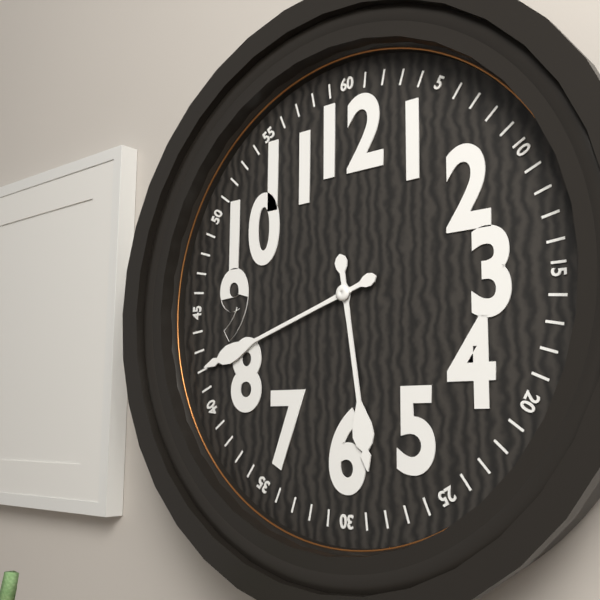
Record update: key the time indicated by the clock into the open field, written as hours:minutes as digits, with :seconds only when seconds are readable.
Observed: 5:42
